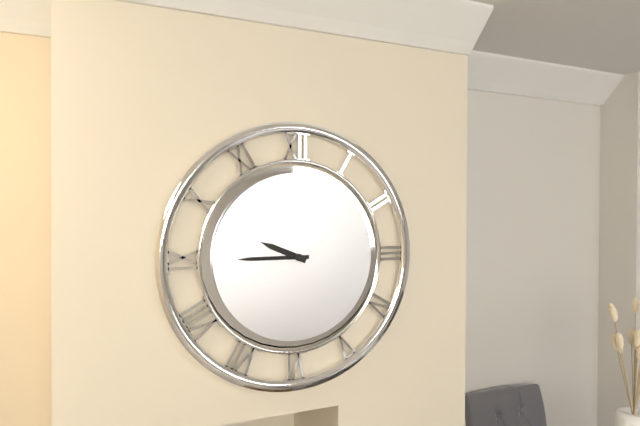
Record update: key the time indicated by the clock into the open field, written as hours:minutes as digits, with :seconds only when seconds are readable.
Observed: 9:45
